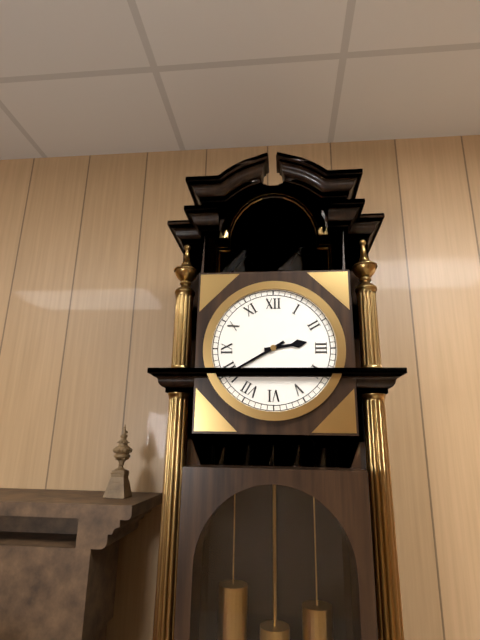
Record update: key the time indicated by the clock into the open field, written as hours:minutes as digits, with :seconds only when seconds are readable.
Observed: 2:40
